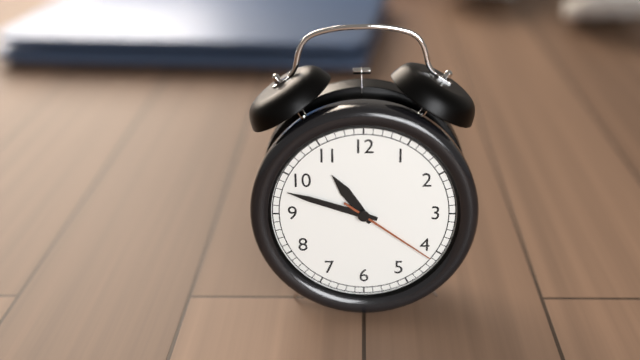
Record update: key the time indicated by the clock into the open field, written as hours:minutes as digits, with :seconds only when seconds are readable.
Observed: 10:48:21
